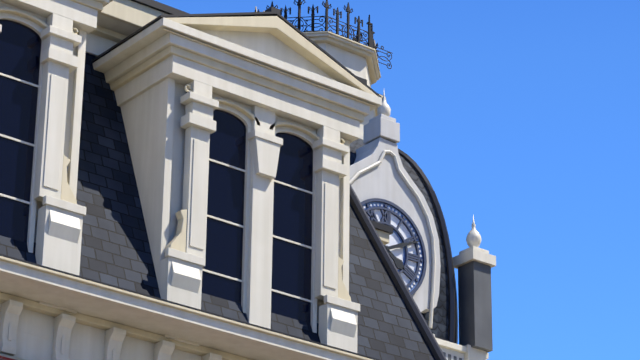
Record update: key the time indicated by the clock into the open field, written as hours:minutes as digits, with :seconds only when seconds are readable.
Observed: 4:11
